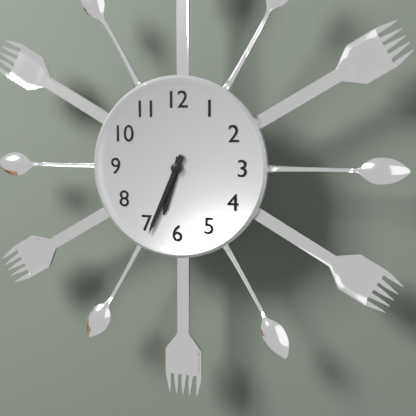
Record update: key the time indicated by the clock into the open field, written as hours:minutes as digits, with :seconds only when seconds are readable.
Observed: 6:34
